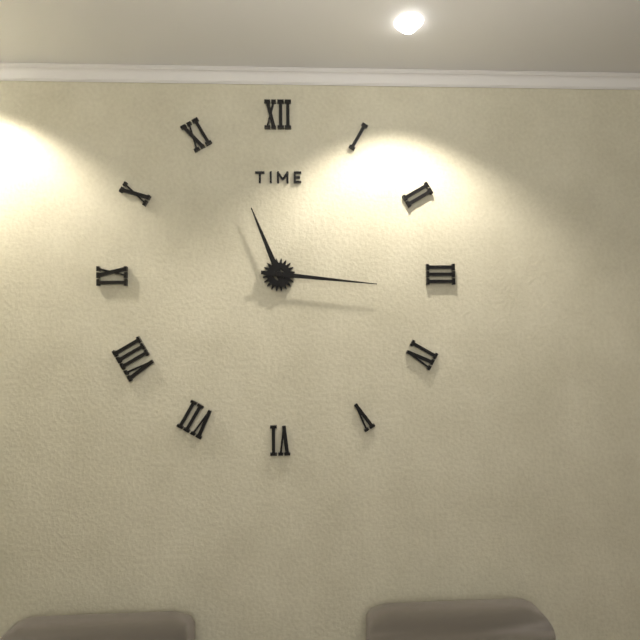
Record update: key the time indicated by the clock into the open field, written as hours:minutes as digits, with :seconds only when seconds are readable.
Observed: 11:16
